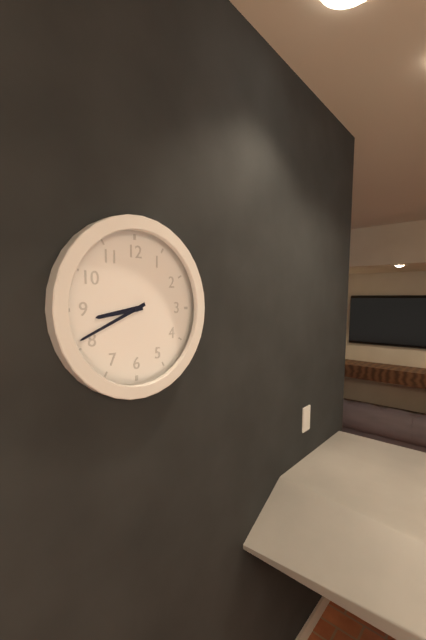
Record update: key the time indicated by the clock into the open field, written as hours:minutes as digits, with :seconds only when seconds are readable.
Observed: 8:41
